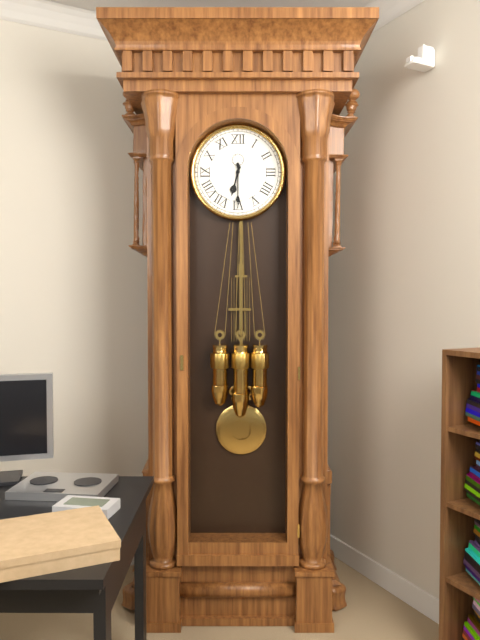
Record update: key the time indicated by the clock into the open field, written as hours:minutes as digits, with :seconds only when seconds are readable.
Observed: 6:30
